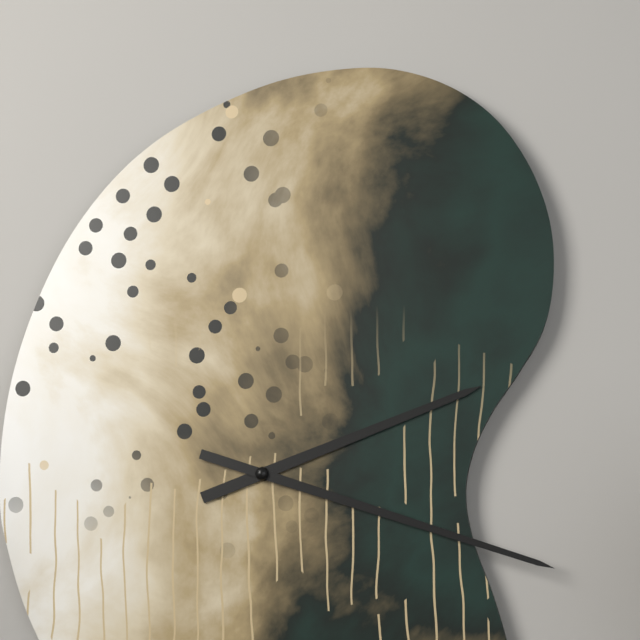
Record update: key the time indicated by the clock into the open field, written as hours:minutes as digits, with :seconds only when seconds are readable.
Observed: 2:18
